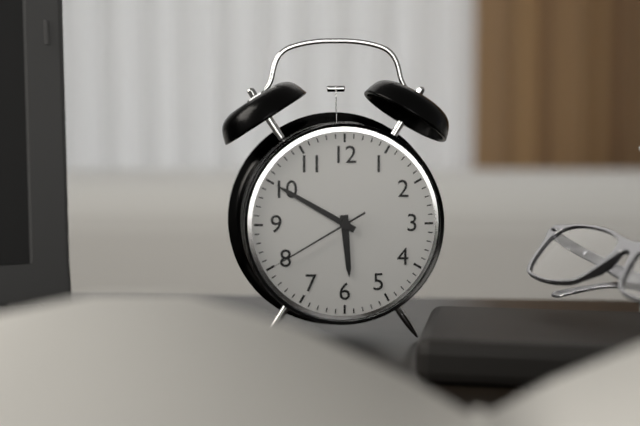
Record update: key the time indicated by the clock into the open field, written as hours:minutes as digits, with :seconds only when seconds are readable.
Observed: 5:50:40
